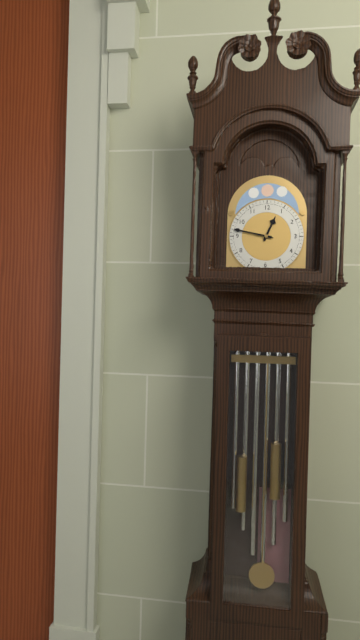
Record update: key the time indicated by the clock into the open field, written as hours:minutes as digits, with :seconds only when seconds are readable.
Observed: 12:47
